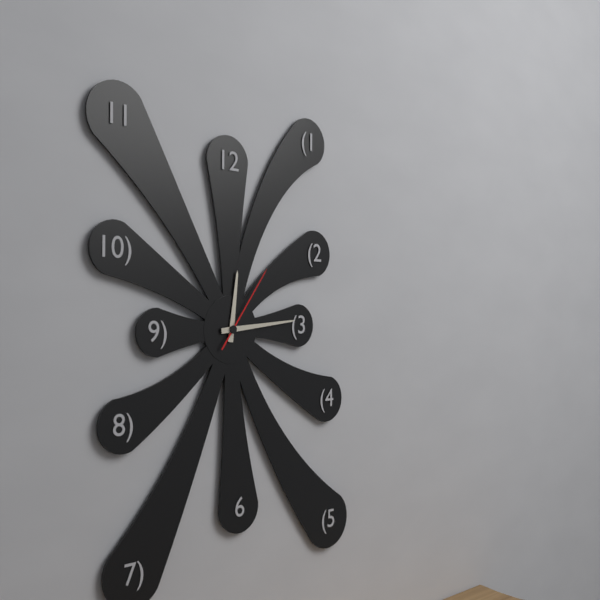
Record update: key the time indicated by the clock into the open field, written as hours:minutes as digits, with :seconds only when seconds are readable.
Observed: 12:14:06
